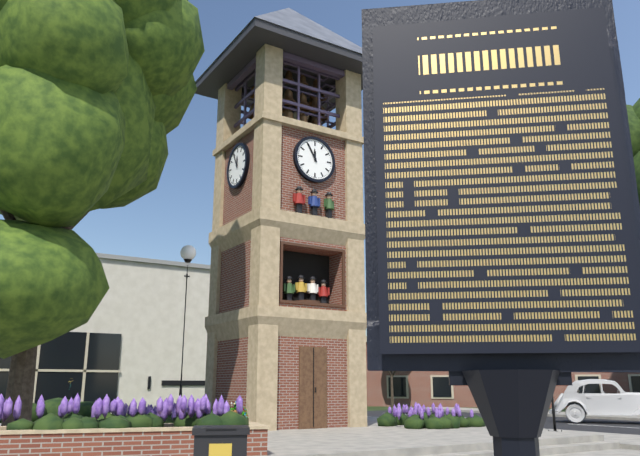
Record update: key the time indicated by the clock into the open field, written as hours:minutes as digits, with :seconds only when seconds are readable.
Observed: 11:55
